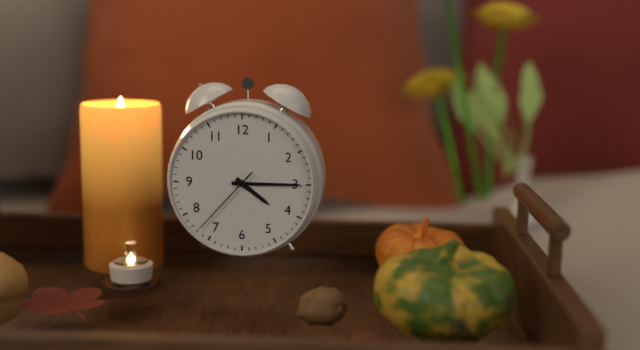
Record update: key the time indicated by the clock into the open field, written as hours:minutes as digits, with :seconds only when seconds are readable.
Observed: 4:15:37
